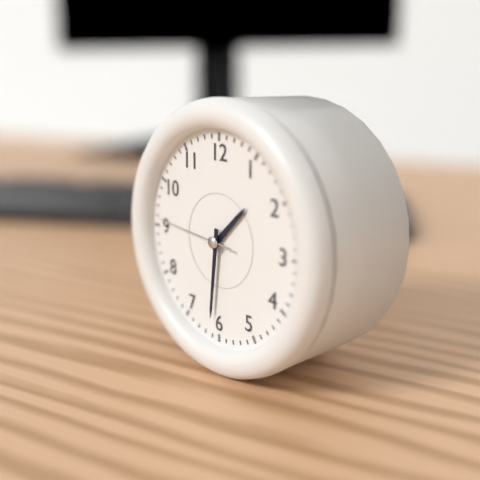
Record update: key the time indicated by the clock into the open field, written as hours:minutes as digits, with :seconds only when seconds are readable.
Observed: 1:31:46
